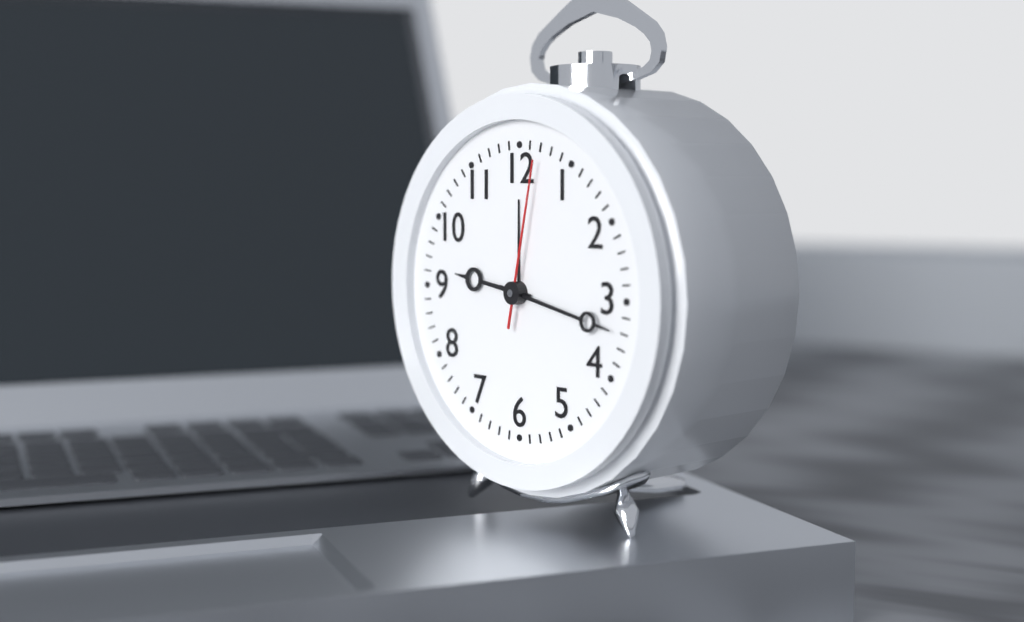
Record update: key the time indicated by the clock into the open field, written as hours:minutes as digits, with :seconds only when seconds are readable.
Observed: 9:17:02
